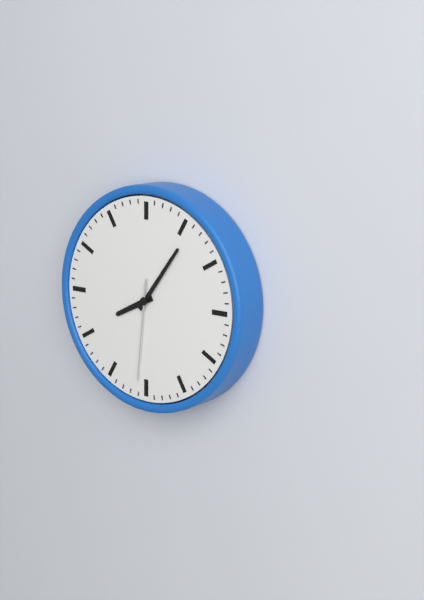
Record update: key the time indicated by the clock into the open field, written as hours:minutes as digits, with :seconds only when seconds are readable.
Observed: 8:06:31
